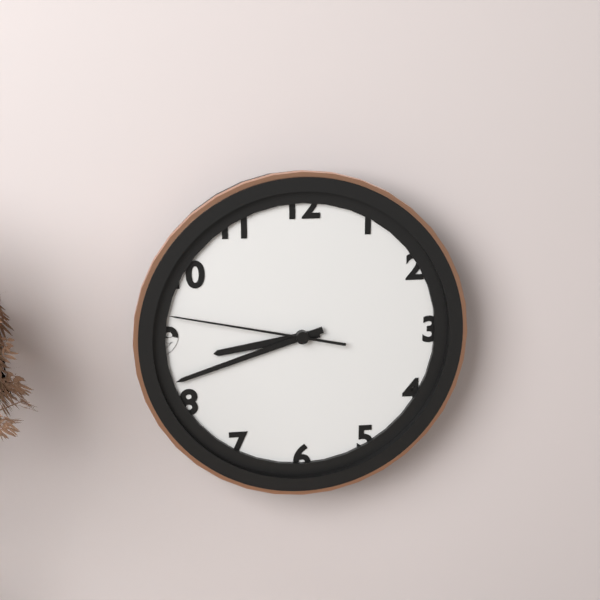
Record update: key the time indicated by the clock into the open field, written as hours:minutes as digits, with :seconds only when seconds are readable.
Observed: 8:42:47
